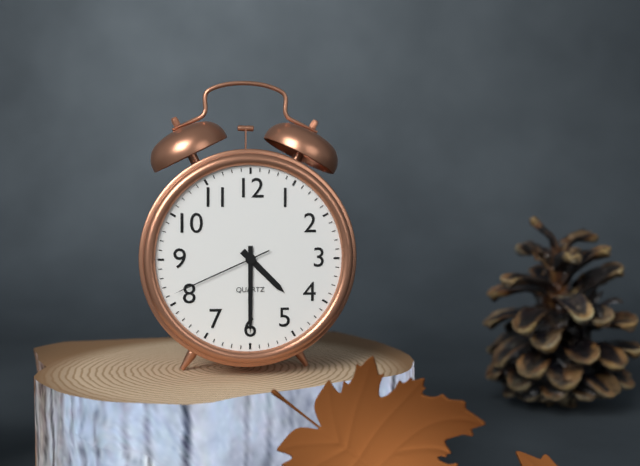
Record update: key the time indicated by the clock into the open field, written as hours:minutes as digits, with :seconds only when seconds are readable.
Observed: 4:30:41
